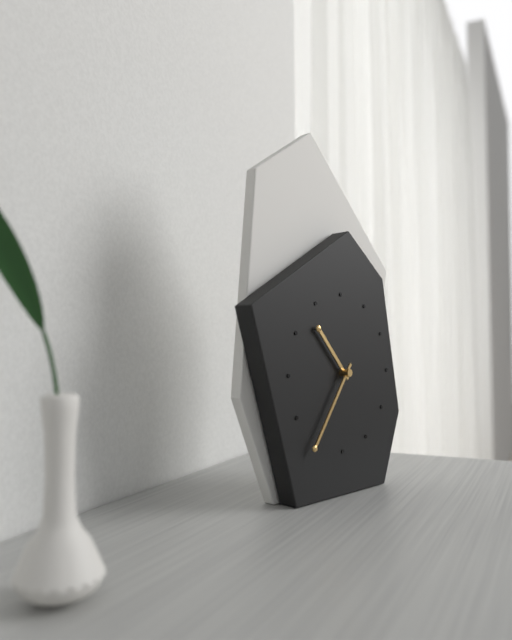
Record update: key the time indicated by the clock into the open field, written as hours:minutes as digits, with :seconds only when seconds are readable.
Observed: 10:36
